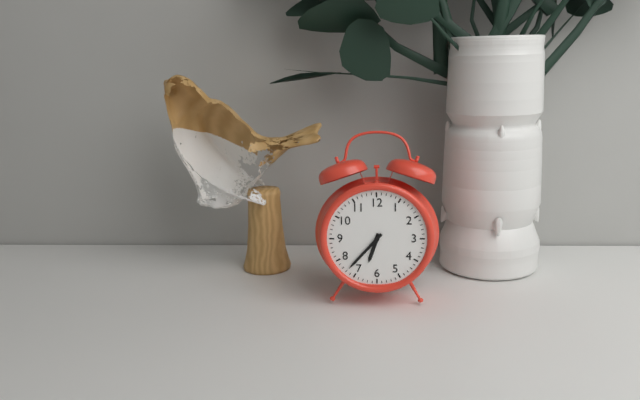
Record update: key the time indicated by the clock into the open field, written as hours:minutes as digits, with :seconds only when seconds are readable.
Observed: 6:37
